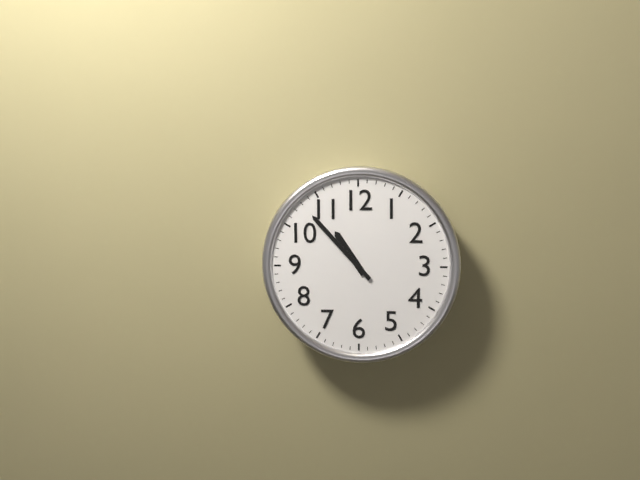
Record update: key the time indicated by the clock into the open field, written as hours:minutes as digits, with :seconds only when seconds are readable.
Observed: 10:53
